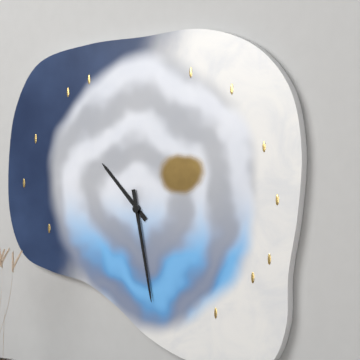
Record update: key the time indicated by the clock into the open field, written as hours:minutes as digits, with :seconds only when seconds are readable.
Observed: 10:28
